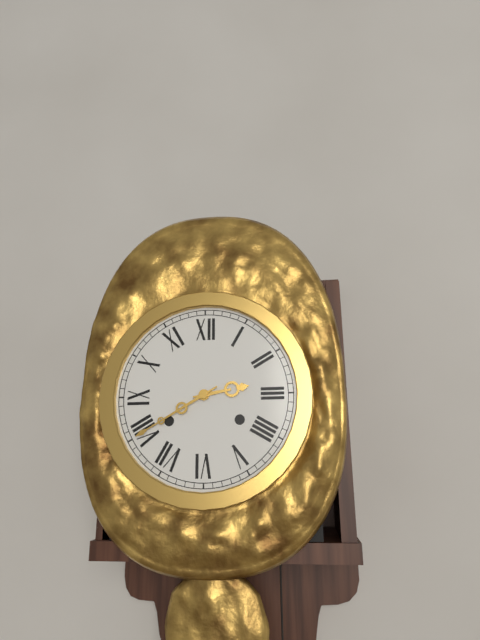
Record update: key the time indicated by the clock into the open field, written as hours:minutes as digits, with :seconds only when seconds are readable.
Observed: 2:40
